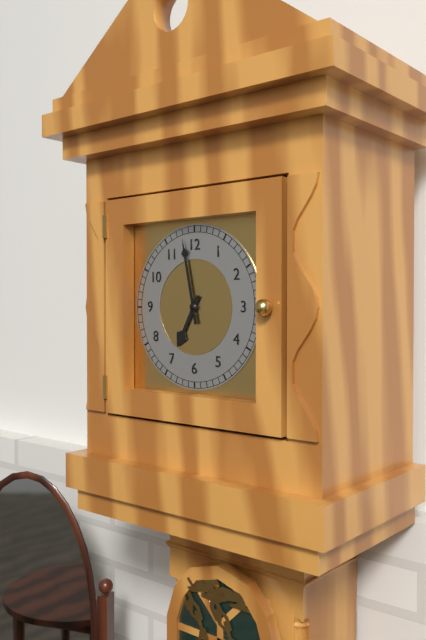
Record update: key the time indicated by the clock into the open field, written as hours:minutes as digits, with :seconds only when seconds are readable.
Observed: 6:58
